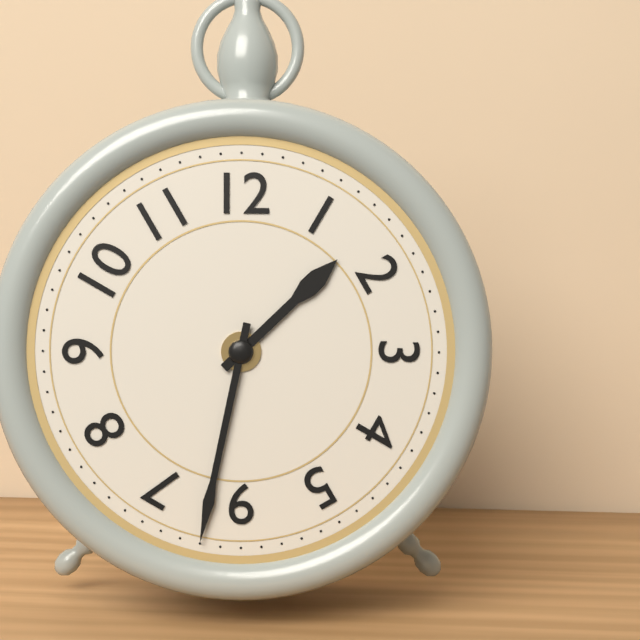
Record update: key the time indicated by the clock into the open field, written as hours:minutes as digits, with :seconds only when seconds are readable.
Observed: 1:32
